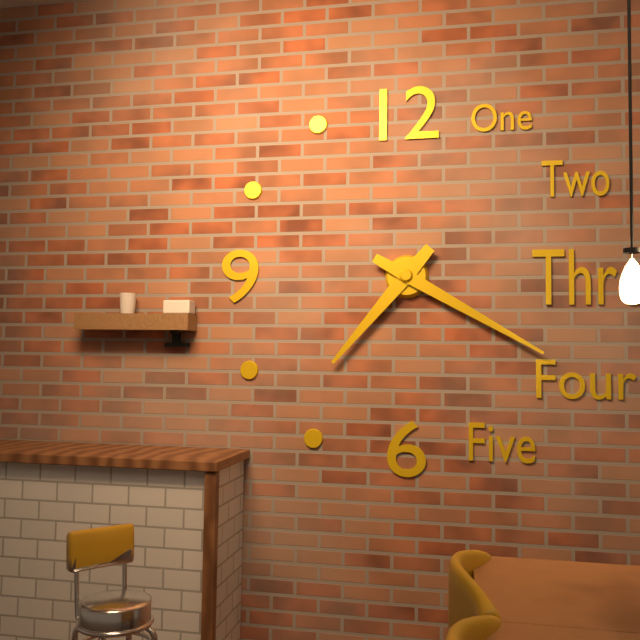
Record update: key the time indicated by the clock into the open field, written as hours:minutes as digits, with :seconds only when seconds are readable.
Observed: 7:20
